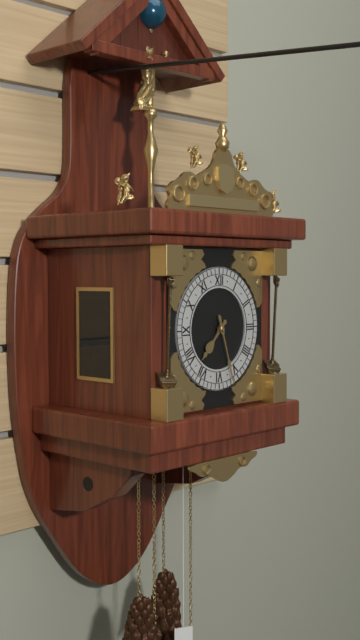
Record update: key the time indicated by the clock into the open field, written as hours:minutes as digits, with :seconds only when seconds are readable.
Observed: 7:27
